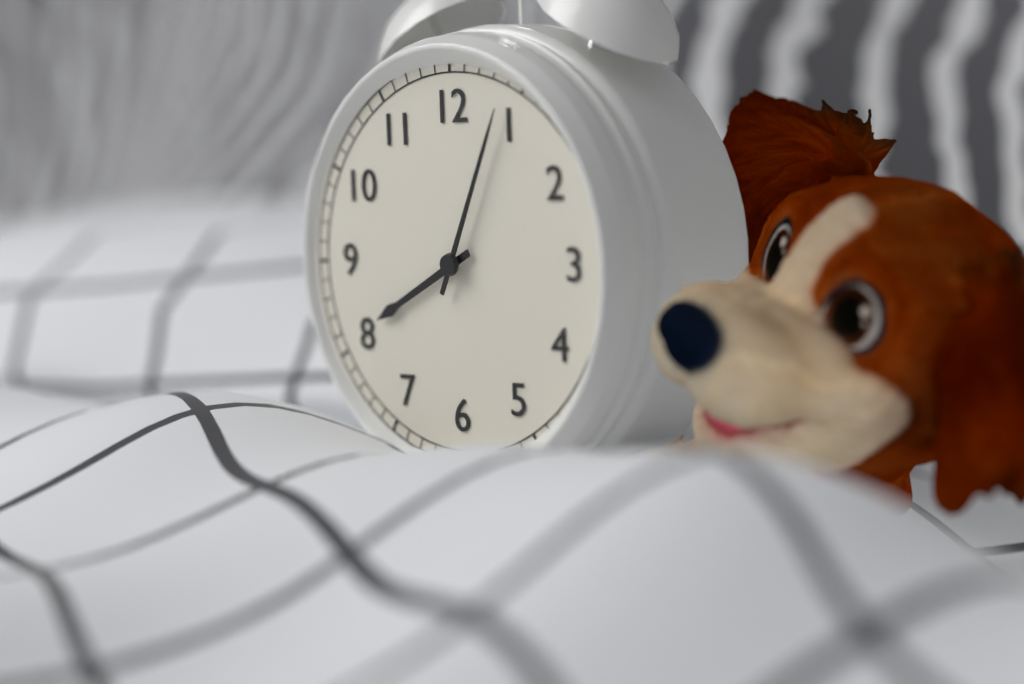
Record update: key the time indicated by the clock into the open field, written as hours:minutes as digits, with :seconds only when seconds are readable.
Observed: 8:04
